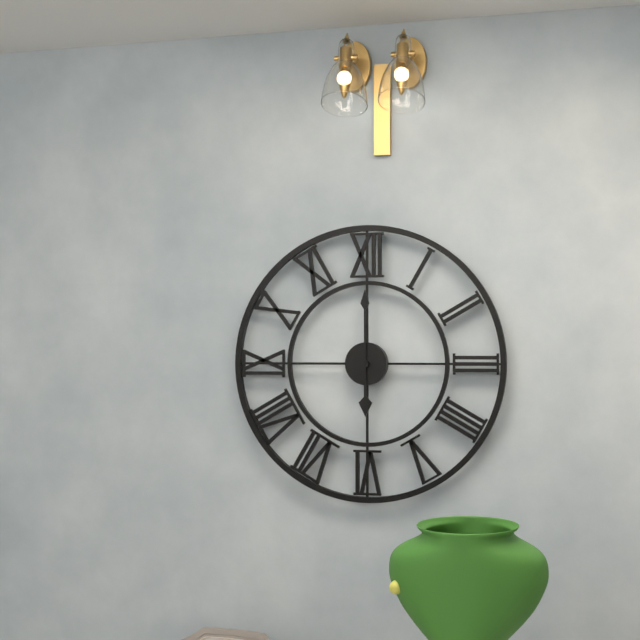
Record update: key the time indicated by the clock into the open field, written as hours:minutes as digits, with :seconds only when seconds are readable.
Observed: 6:00
